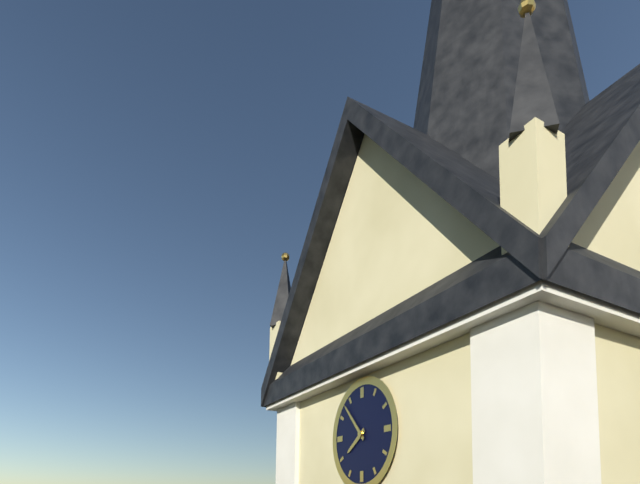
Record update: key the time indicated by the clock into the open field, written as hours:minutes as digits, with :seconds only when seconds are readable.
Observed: 7:53
